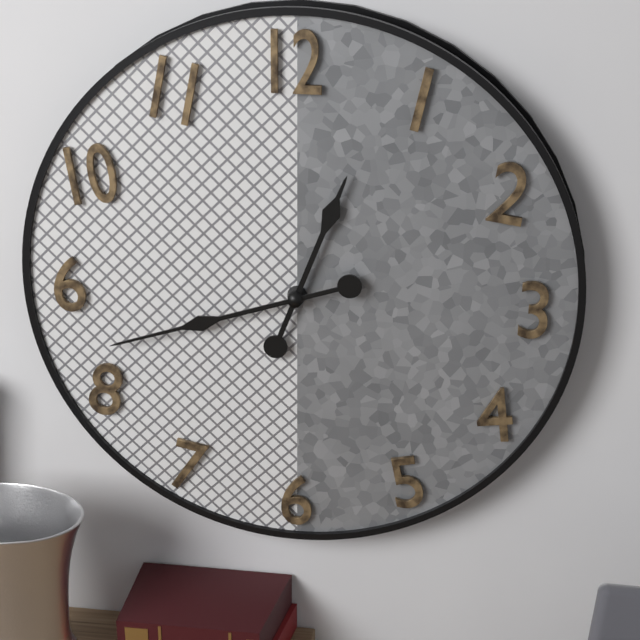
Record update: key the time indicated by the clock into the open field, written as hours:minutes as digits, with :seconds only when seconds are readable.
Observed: 12:42
